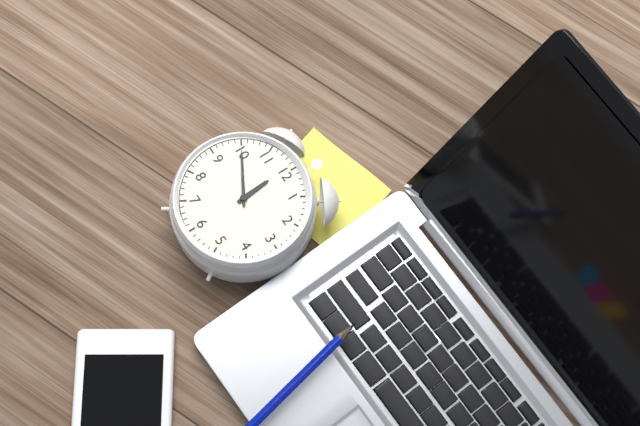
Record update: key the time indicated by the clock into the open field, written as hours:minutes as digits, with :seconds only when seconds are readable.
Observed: 11:50
